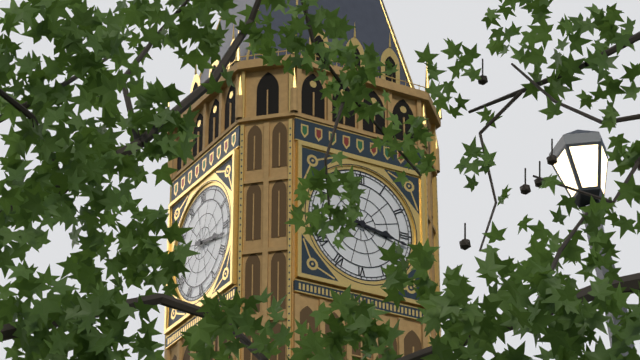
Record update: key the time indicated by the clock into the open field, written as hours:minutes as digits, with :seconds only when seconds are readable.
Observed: 3:17
